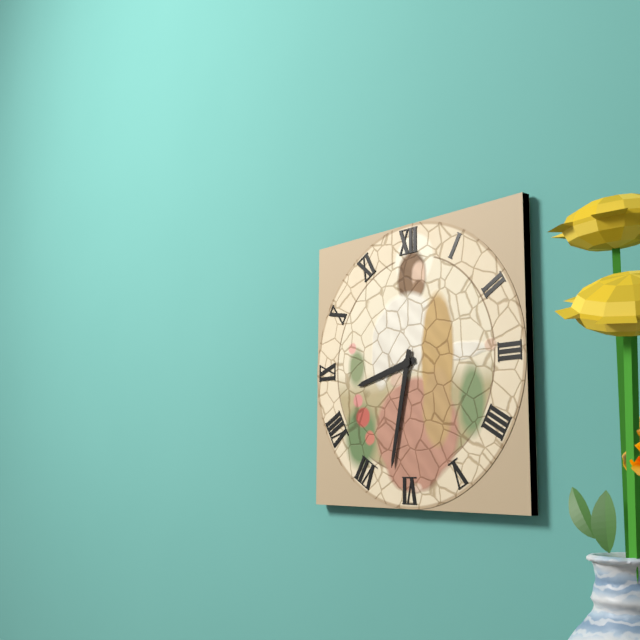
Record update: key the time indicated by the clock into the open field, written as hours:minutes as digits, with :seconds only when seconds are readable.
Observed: 8:32
